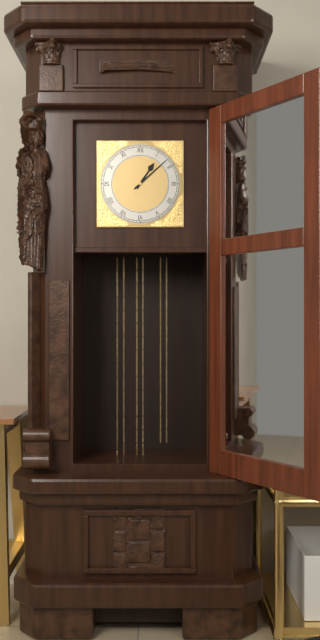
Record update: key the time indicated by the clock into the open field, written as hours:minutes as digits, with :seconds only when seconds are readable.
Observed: 1:08
